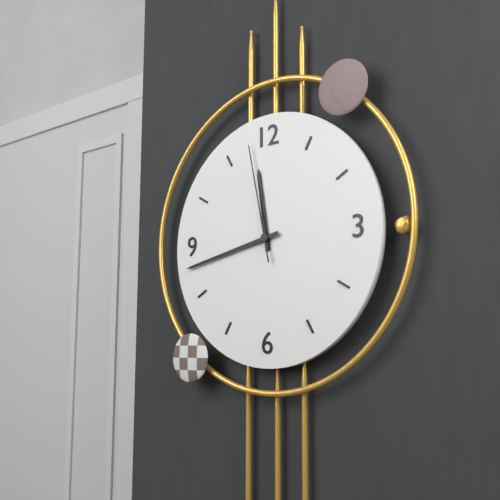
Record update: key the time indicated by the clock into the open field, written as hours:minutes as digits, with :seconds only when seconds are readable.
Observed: 11:43:58
